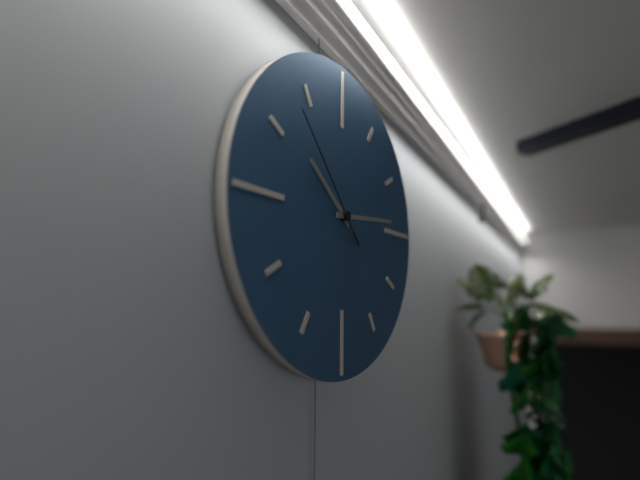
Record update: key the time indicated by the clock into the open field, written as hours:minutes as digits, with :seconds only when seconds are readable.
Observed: 10:14:53
